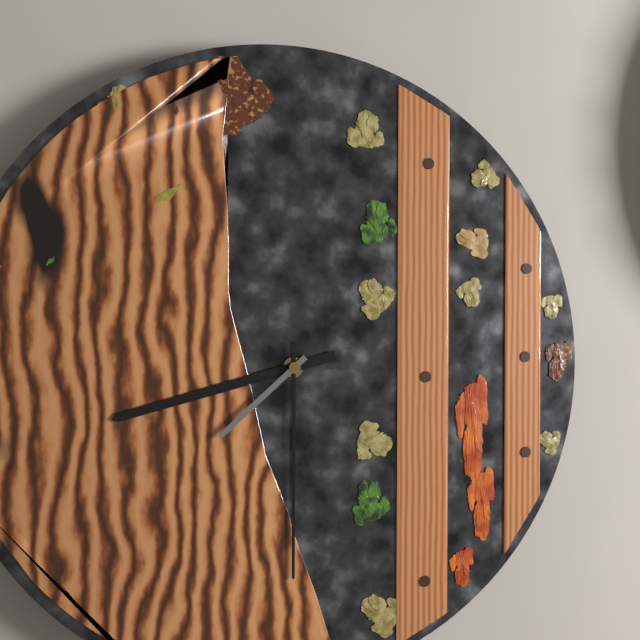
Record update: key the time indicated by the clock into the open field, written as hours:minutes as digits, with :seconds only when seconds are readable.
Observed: 8:30:38
